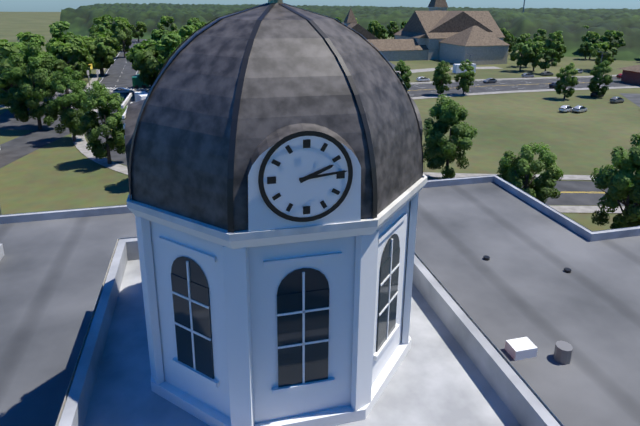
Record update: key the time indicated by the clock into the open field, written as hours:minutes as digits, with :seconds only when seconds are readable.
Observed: 2:14
